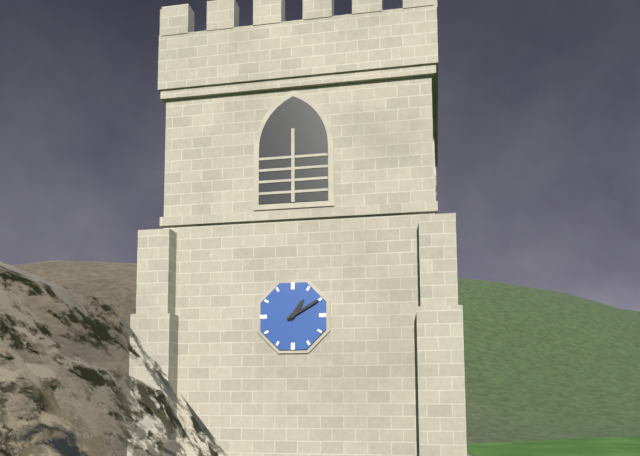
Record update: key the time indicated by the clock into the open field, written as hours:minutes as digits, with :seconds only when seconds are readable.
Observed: 1:10
